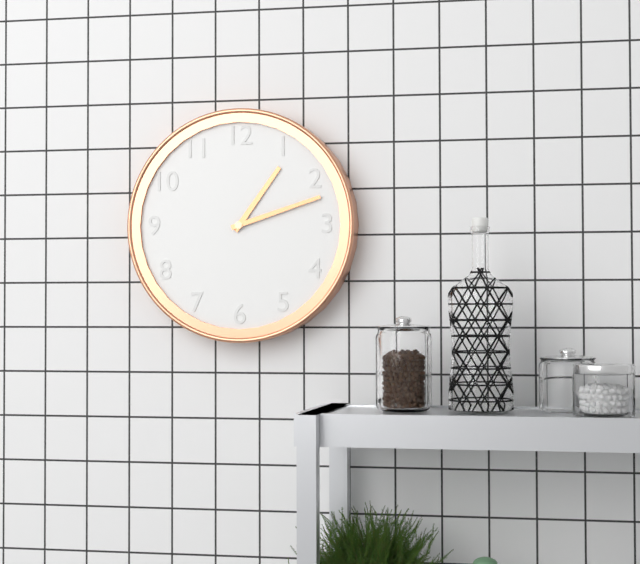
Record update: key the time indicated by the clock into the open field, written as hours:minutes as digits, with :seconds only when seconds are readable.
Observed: 1:12
